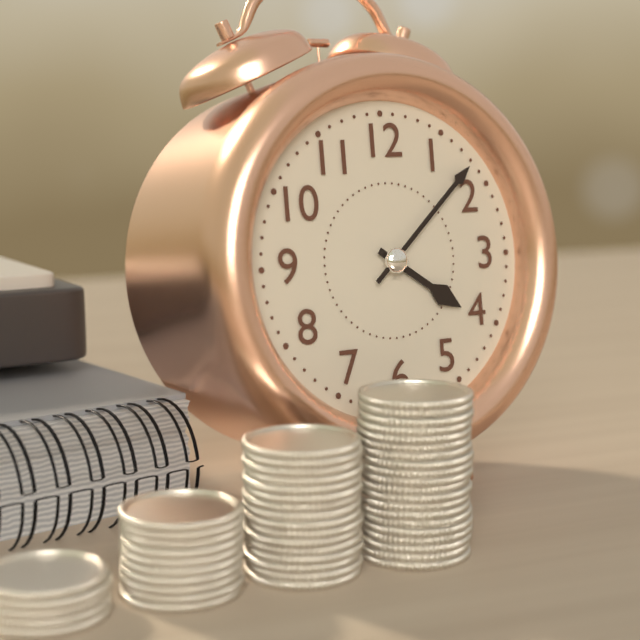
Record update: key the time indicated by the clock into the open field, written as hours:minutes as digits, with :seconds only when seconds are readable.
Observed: 4:08
